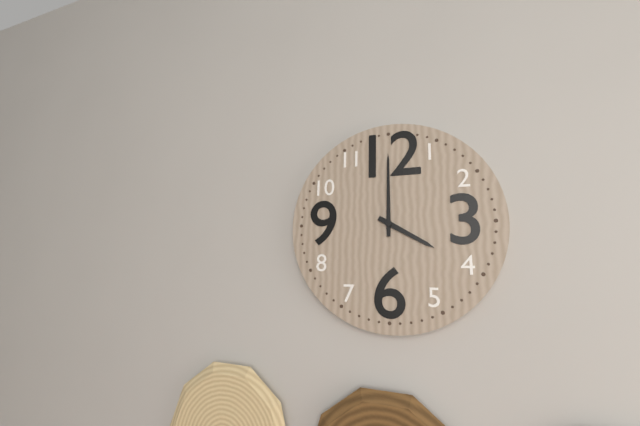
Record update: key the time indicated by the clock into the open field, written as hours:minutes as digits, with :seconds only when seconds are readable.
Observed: 4:00
